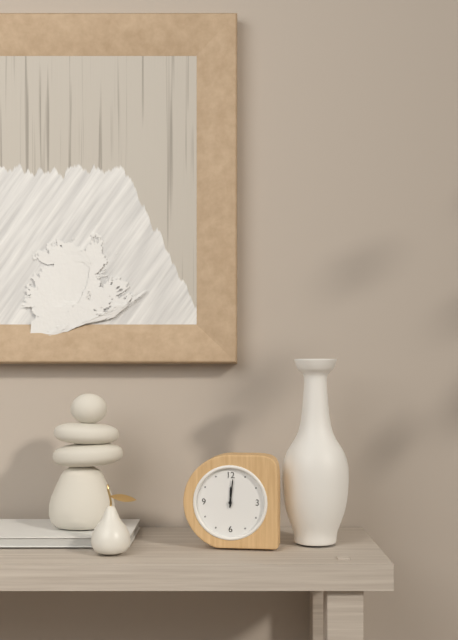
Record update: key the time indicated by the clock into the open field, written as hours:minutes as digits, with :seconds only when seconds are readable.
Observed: 12:01
